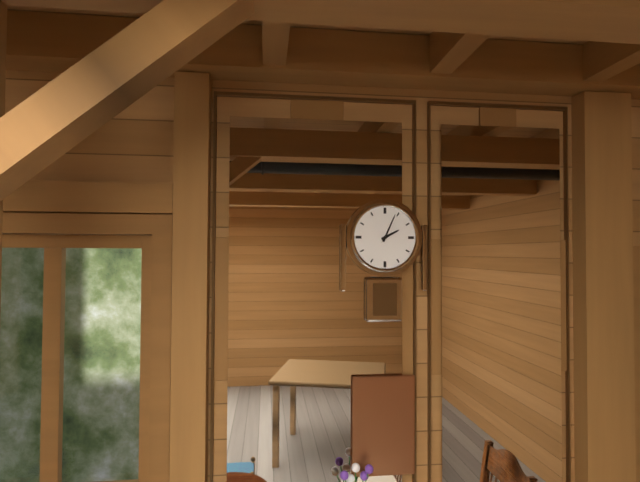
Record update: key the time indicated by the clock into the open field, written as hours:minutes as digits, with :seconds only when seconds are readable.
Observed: 2:04
